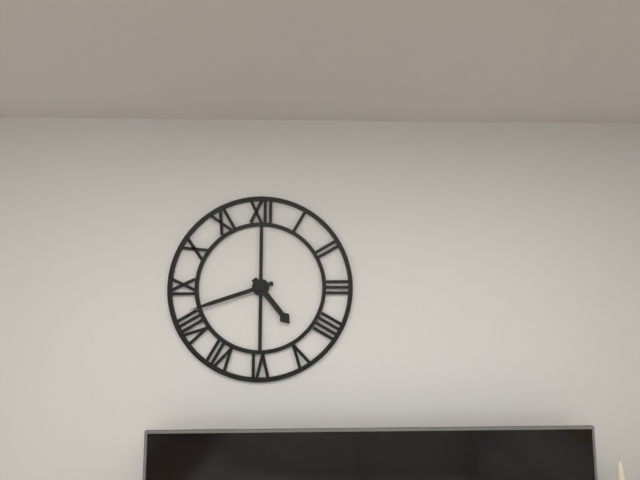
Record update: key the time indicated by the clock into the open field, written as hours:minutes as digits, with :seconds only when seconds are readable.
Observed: 4:42
